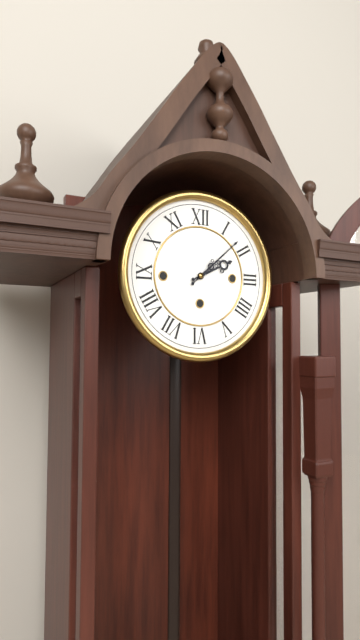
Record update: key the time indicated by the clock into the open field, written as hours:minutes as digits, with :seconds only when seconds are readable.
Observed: 2:08
